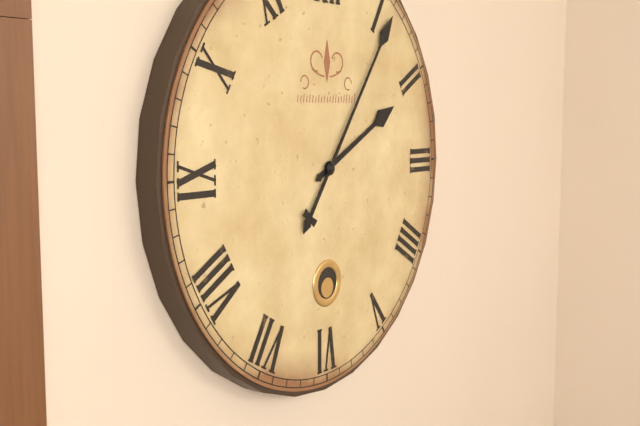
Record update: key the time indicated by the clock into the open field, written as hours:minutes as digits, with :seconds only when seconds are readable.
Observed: 2:06
